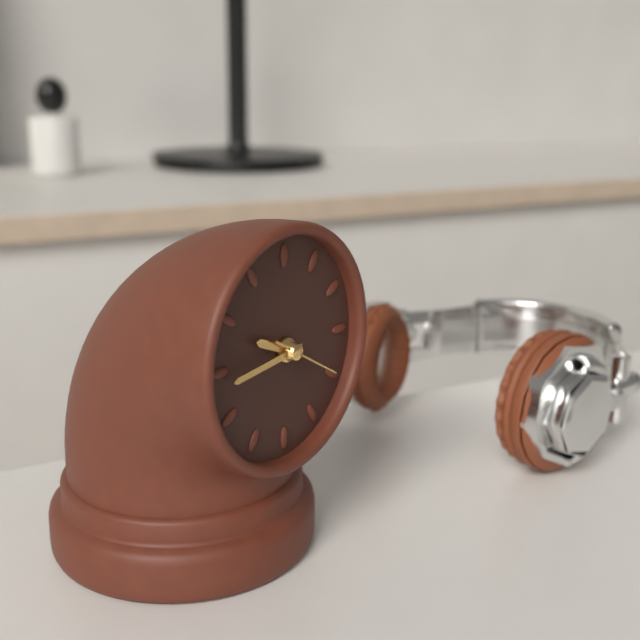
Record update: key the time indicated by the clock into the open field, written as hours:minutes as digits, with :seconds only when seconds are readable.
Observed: 9:44:20
